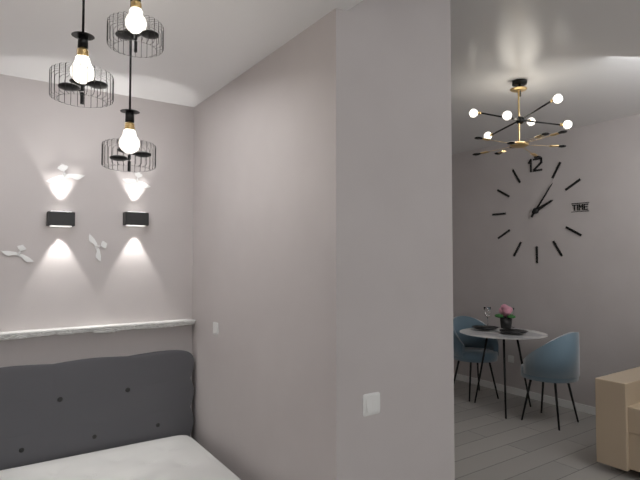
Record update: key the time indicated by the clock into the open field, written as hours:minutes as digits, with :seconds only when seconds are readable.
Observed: 2:06
